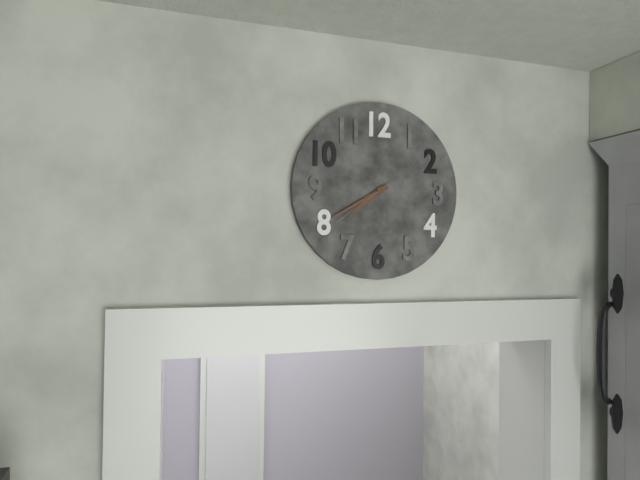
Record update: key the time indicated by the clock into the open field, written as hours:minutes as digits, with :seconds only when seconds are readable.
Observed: 7:40:39
